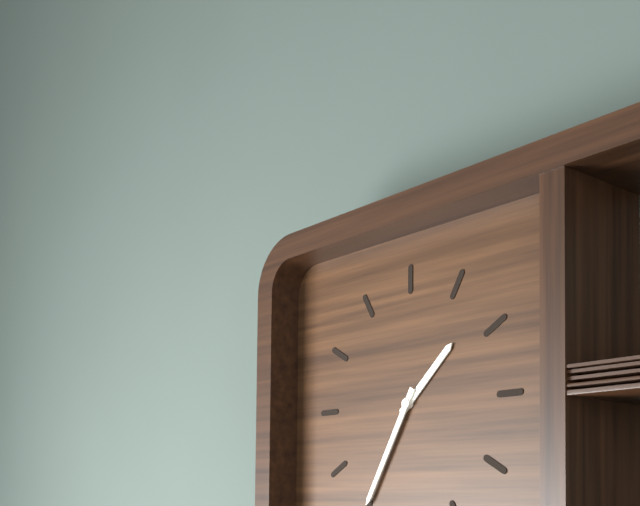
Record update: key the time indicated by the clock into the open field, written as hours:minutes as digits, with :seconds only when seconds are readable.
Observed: 1:35
